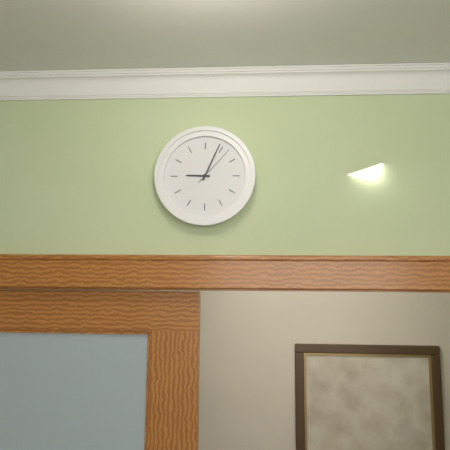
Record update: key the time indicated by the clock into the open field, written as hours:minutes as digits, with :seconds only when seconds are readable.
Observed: 9:04
